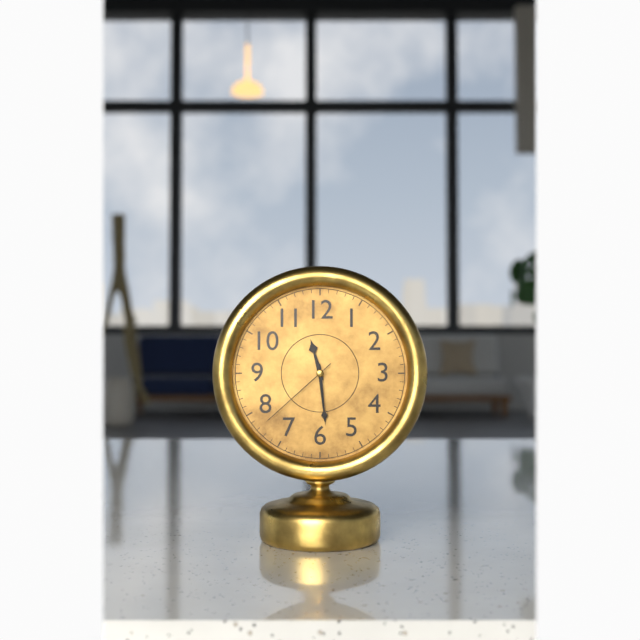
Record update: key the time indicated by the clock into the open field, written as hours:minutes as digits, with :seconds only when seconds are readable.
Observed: 11:29:38
